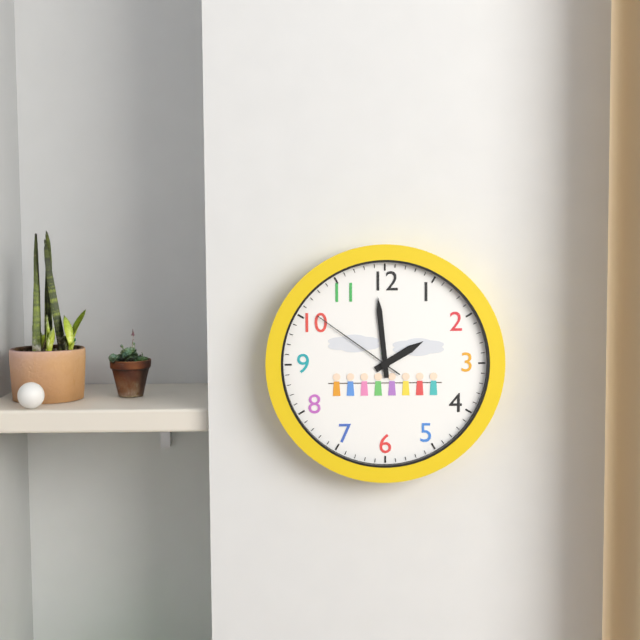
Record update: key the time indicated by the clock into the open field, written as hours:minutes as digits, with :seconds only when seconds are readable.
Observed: 1:59:51
